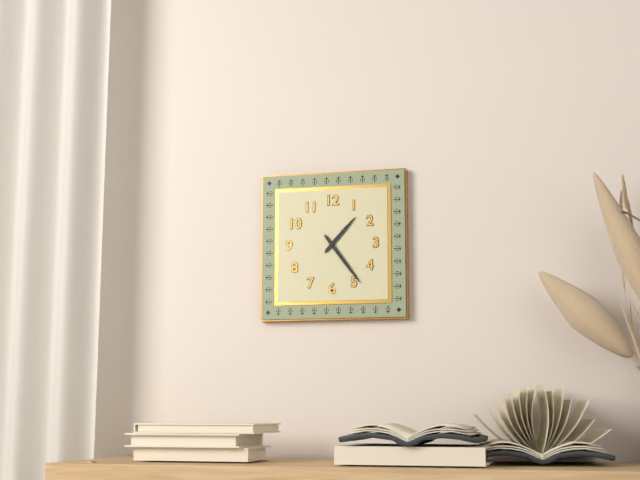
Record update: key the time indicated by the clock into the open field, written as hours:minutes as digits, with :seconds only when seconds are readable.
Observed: 1:24
